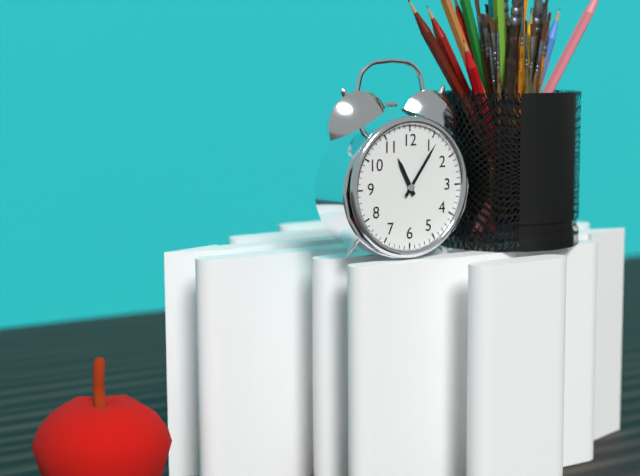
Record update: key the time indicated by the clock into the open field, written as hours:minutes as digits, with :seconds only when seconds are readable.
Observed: 11:06
